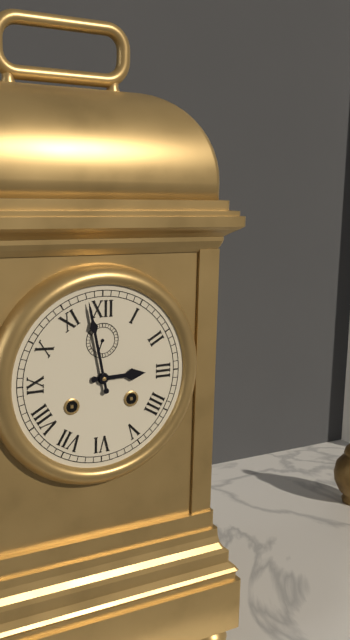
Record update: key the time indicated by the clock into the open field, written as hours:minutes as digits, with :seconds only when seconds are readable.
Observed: 2:58
